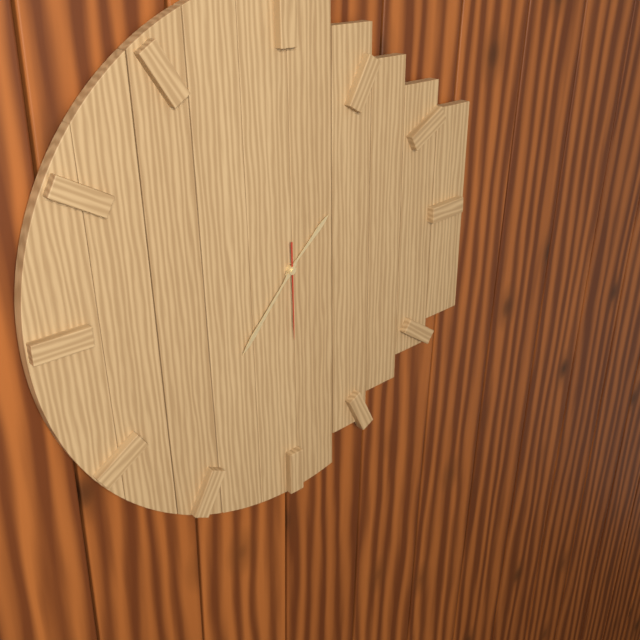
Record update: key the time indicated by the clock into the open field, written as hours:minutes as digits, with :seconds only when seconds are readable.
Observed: 1:37:30
